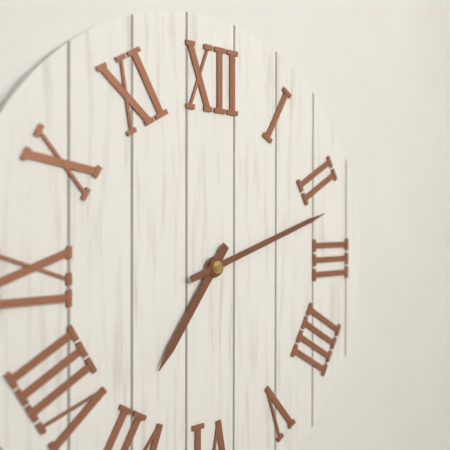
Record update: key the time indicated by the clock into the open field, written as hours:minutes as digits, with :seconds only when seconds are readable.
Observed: 7:12
